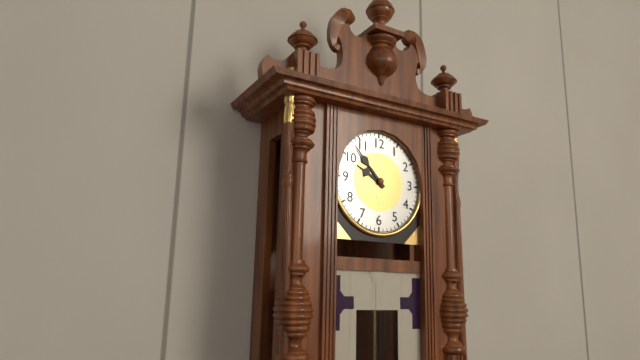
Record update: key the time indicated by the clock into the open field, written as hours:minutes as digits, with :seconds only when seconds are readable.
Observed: 9:53
